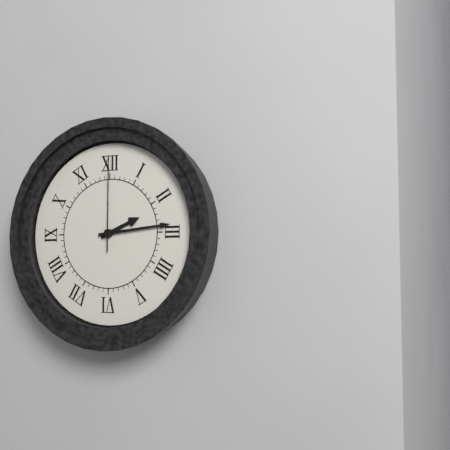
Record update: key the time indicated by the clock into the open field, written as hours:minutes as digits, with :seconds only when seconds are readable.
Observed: 2:14:00
